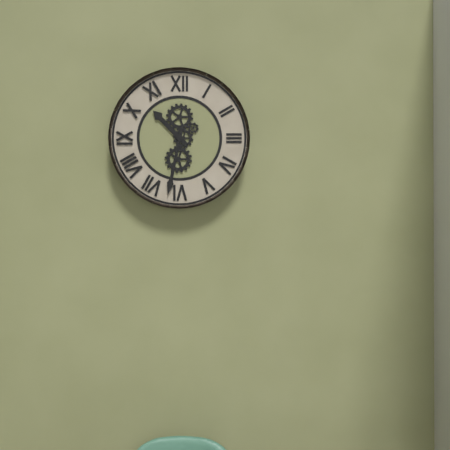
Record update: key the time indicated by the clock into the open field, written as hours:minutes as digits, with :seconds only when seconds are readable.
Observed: 10:32
